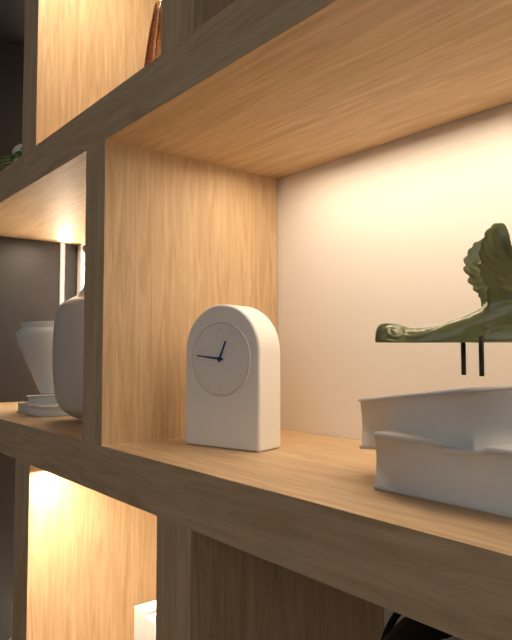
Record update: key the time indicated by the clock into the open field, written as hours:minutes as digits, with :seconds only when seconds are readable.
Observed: 12:46
